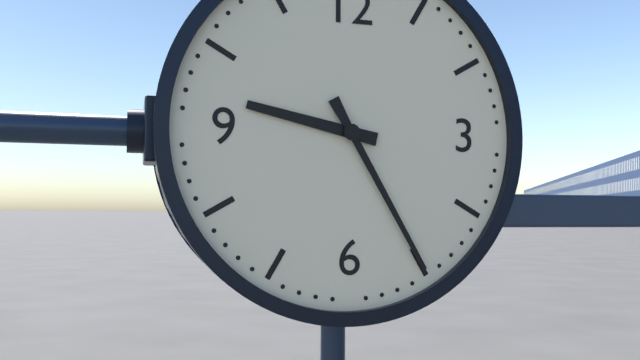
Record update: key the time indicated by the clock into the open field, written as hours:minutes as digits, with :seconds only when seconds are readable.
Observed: 9:25
